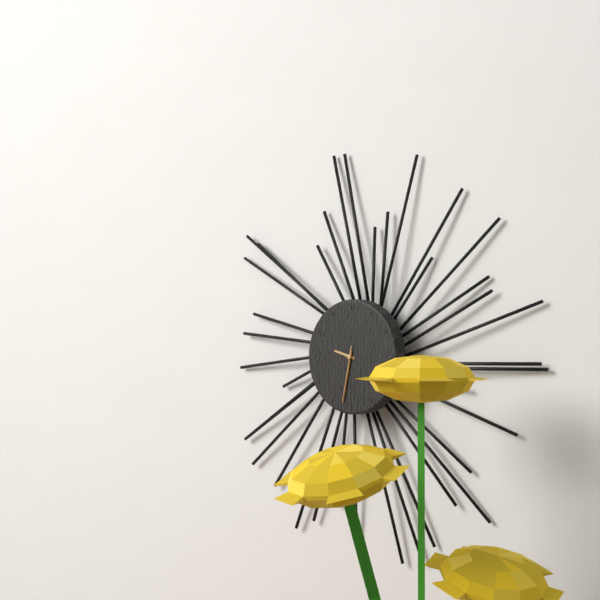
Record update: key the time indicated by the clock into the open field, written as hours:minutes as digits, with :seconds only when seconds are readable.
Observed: 9:32:32
